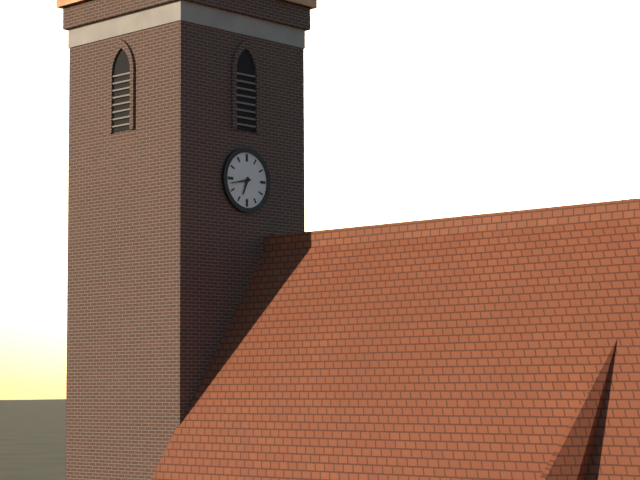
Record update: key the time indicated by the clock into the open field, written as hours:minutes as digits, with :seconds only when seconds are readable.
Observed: 6:43
